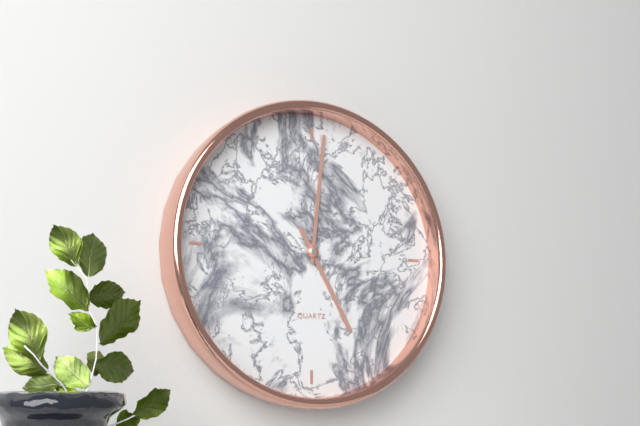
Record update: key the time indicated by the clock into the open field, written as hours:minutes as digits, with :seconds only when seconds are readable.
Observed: 5:01
